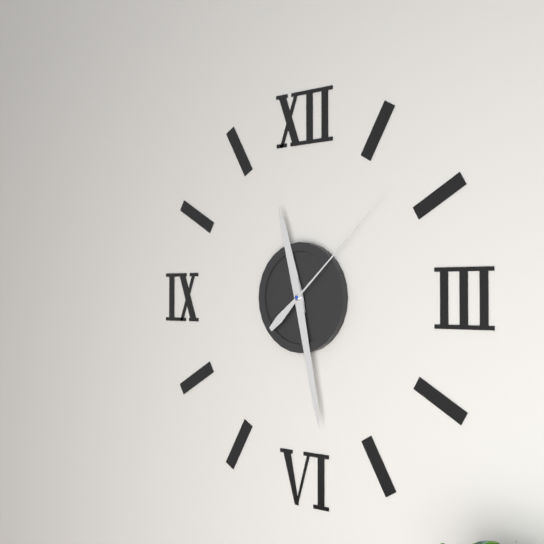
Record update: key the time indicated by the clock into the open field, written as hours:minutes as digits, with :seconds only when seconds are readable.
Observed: 11:28:08
